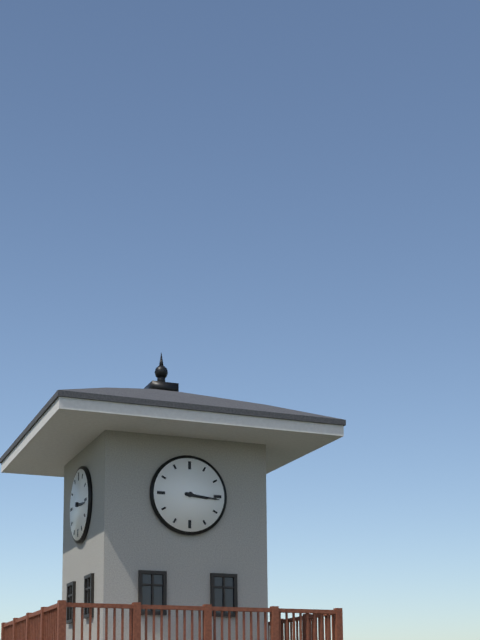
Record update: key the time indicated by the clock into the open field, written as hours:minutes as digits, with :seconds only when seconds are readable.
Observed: 3:16
